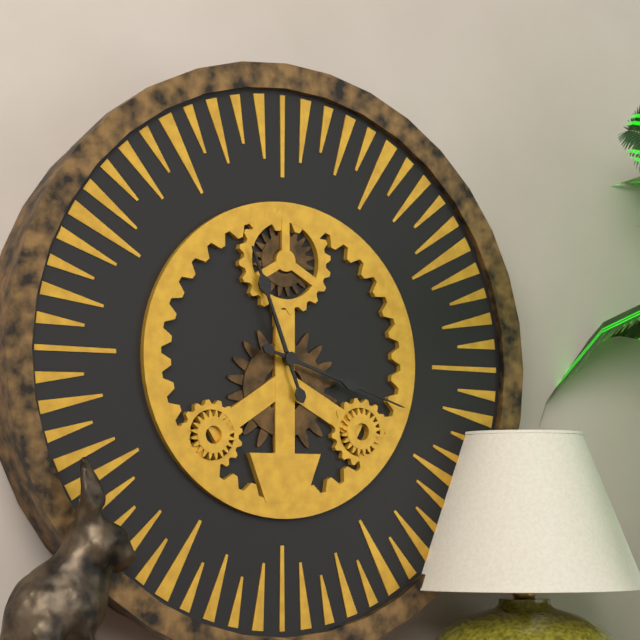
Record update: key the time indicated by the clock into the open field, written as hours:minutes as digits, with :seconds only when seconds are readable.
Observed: 11:18
